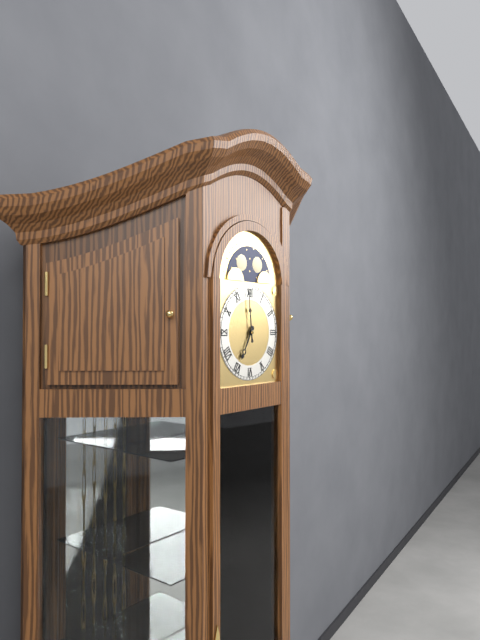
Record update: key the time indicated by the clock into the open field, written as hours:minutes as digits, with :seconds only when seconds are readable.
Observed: 6:59
